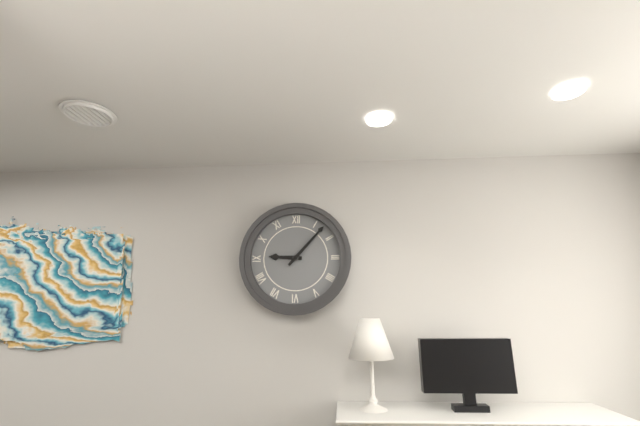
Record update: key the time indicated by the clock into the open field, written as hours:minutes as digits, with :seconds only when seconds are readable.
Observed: 9:07
